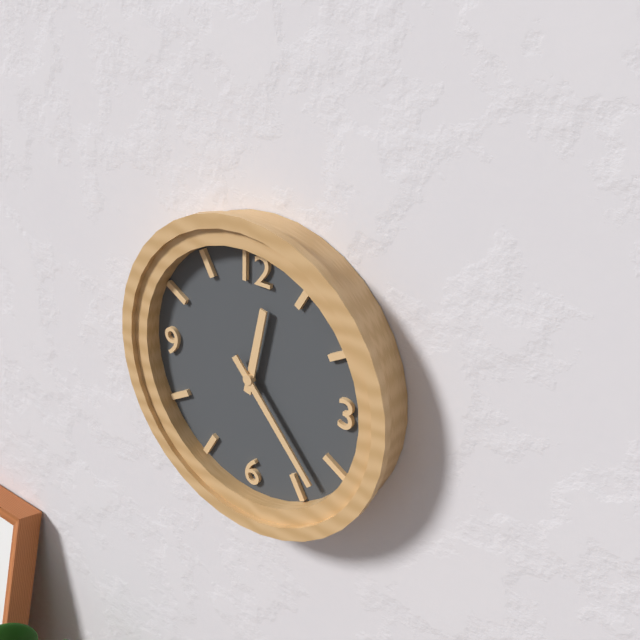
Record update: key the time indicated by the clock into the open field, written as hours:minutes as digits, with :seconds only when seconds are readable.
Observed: 12:23
